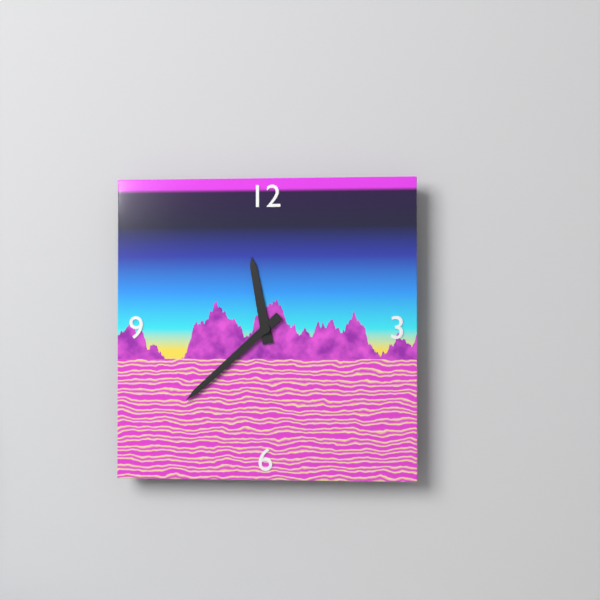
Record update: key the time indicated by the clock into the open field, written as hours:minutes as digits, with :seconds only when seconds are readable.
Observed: 11:38
